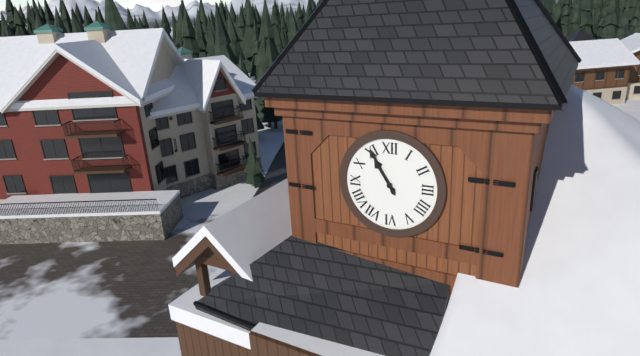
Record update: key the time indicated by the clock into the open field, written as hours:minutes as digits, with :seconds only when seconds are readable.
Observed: 10:55
